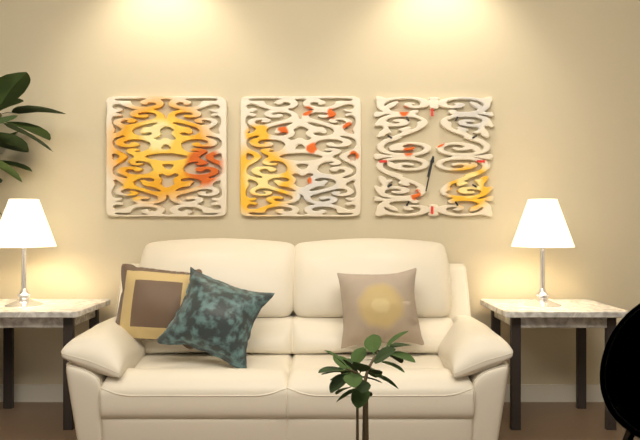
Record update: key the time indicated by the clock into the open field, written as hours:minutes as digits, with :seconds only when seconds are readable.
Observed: 6:32
